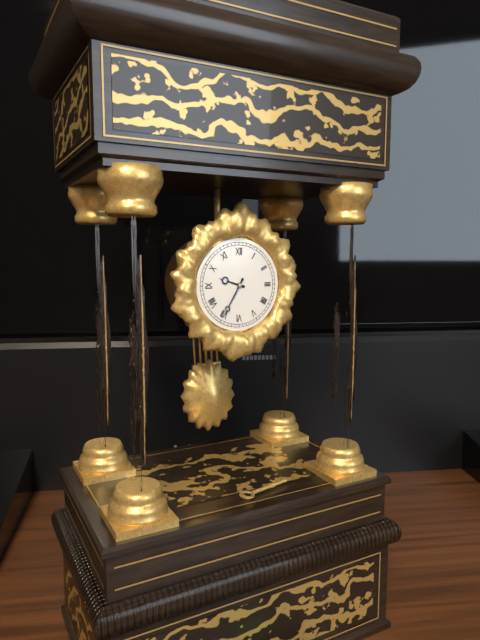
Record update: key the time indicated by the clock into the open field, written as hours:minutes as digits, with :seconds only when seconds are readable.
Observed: 9:35
